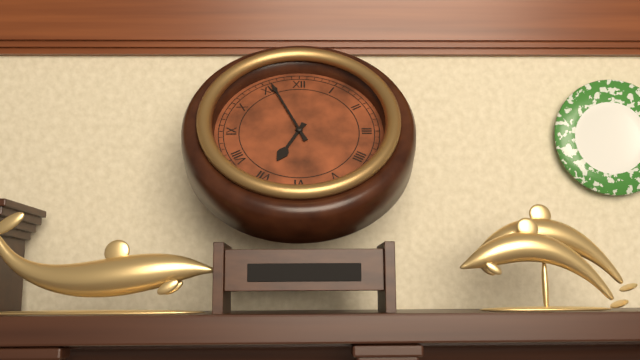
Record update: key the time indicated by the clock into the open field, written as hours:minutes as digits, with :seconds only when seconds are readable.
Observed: 6:56
